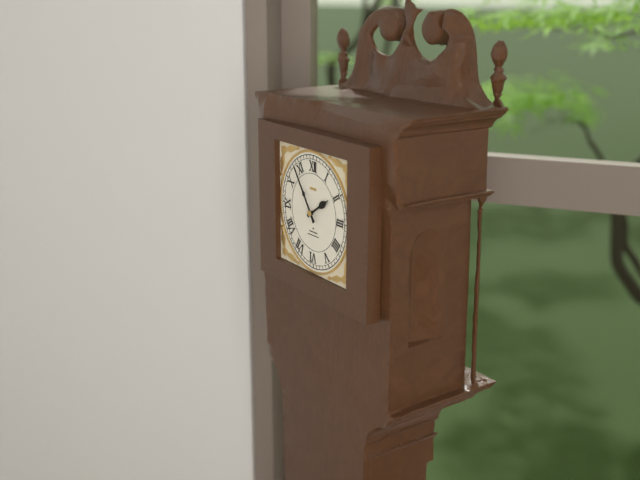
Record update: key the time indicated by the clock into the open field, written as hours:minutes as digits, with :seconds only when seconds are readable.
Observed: 1:54
